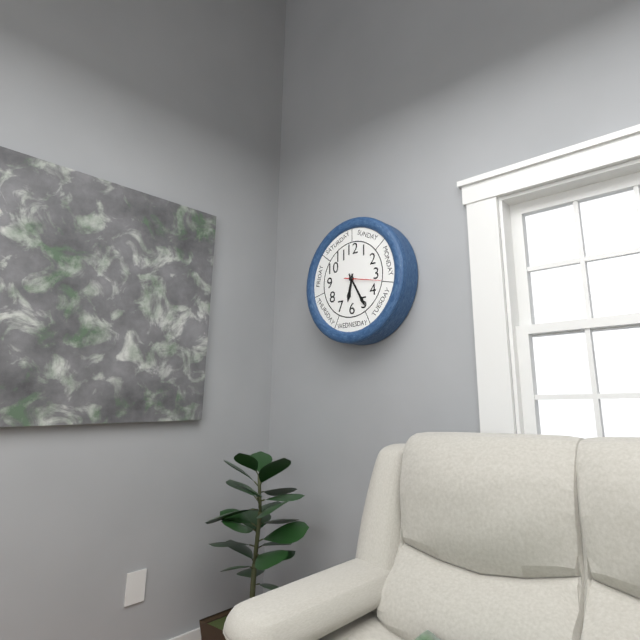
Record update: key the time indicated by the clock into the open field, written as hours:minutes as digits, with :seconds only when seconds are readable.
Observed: 6:25
